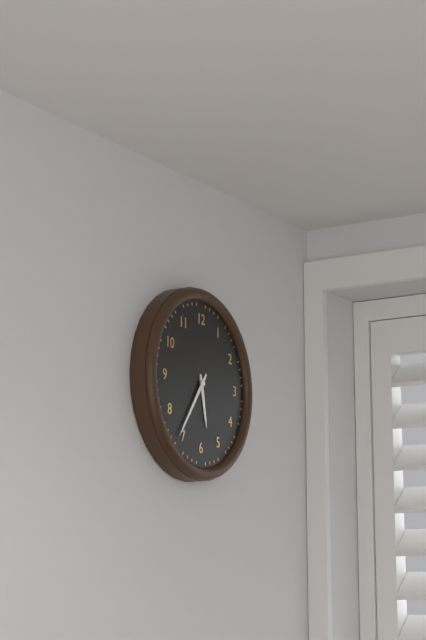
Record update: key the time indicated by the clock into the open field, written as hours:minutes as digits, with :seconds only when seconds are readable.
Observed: 5:36
